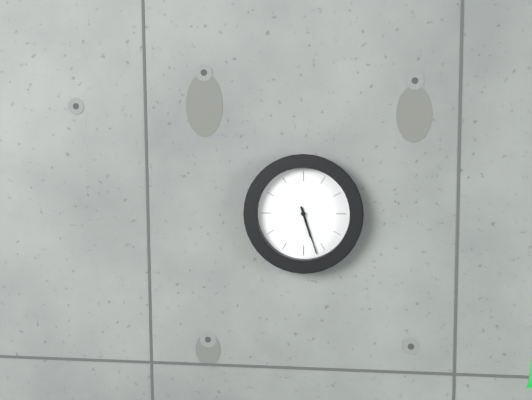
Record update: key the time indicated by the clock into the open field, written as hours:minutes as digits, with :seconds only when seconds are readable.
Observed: 5:27
